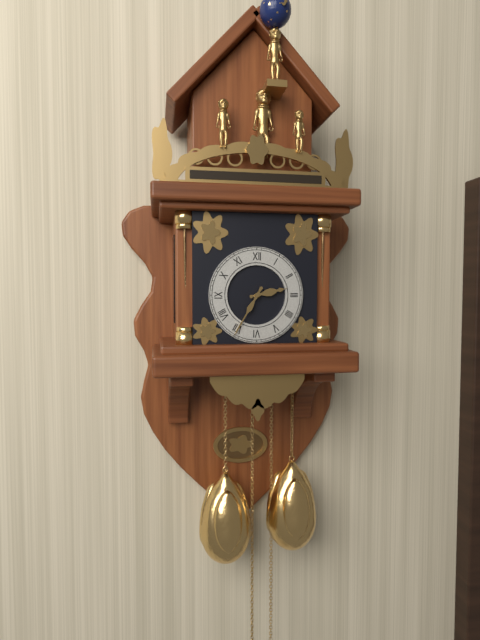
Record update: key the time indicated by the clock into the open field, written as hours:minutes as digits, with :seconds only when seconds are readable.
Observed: 2:35
